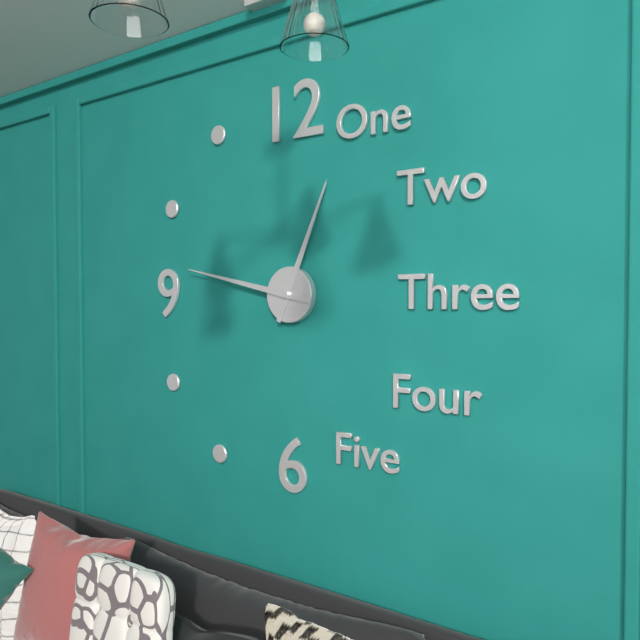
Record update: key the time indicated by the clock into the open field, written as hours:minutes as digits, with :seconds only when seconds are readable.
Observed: 12:47
